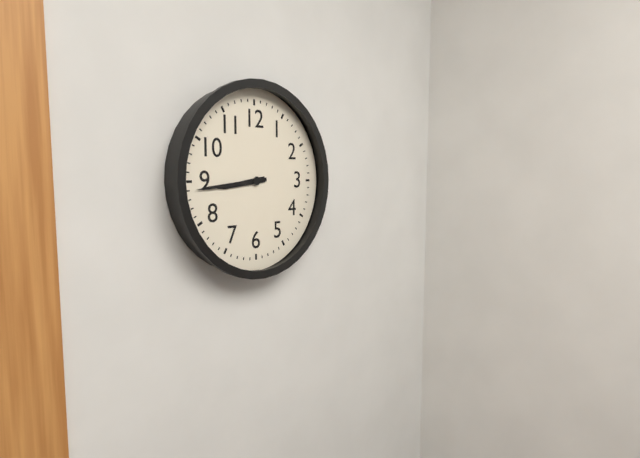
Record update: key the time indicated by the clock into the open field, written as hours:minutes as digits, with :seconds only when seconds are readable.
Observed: 8:44
